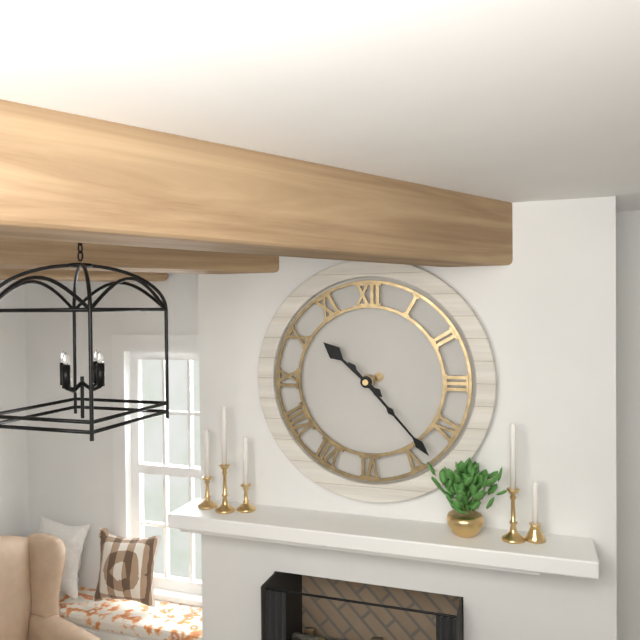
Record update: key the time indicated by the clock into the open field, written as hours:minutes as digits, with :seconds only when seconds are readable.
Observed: 10:23
